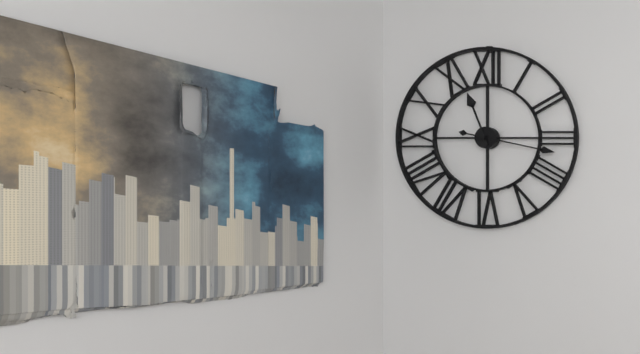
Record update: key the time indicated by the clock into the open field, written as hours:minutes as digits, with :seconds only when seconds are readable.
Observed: 11:17
